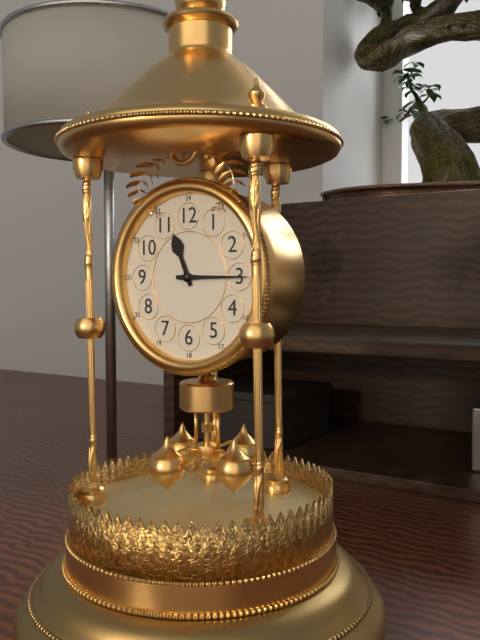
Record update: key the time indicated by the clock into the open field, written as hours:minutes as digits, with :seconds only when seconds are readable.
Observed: 11:15
